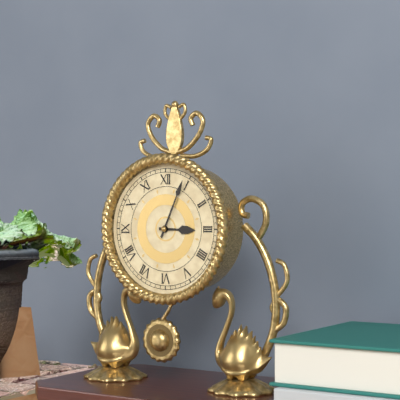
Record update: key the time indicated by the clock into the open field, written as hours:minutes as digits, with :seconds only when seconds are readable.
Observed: 3:04
